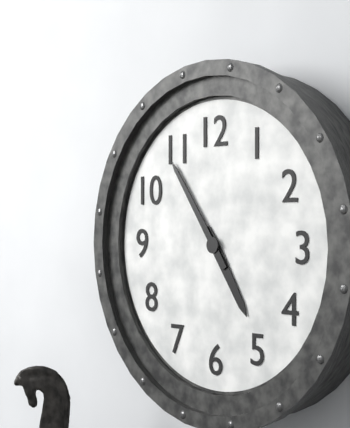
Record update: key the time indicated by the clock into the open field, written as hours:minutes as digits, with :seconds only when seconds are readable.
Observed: 4:54
